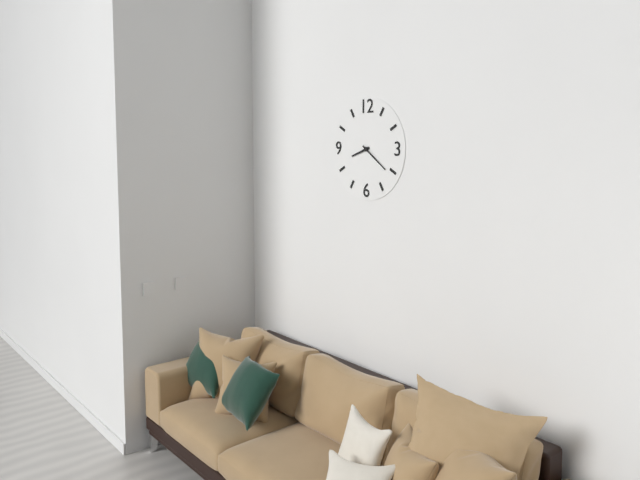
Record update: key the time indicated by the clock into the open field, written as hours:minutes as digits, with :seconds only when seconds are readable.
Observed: 8:21
